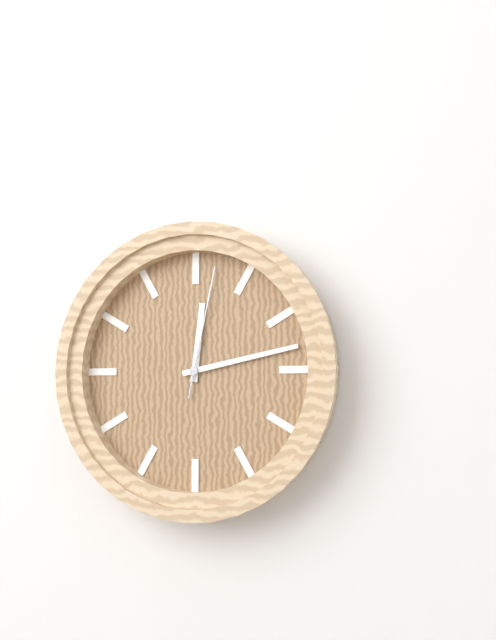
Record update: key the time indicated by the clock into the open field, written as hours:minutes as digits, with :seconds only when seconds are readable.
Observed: 12:13:02
